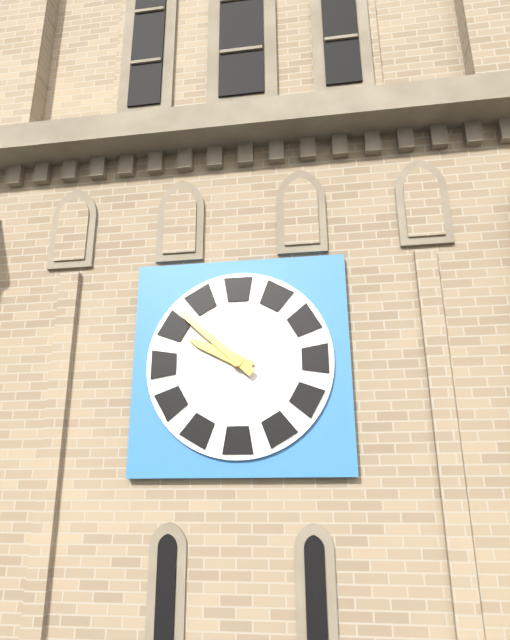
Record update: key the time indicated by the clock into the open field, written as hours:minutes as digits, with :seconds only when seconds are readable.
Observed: 9:52
